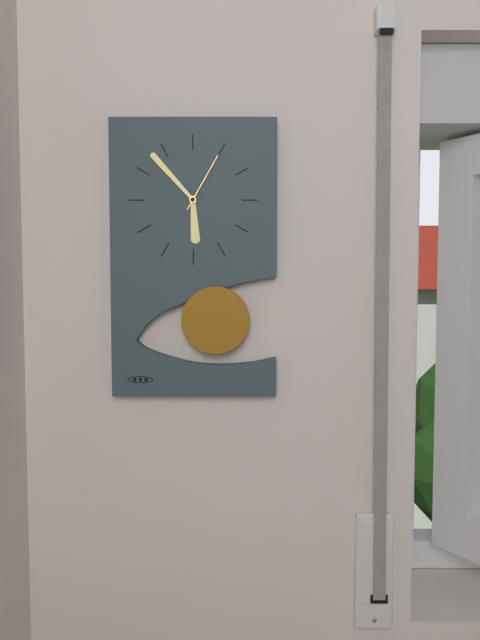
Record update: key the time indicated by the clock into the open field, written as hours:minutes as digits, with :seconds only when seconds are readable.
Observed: 5:53:05
